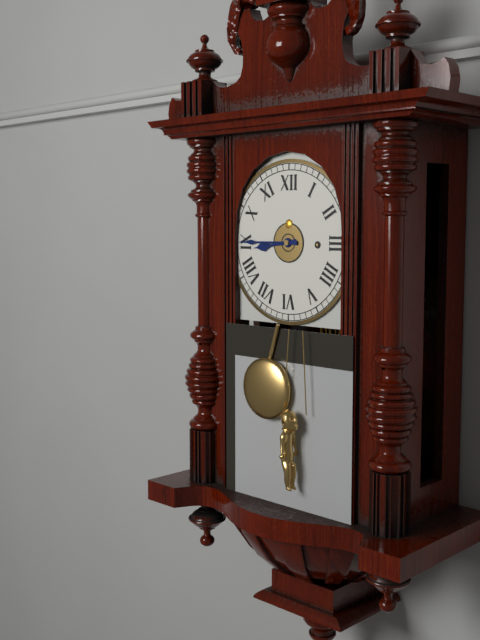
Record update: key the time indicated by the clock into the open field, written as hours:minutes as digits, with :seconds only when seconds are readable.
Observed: 8:45
